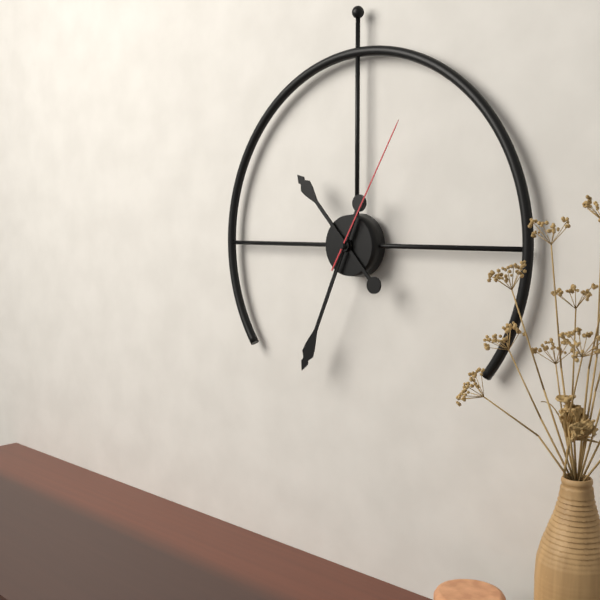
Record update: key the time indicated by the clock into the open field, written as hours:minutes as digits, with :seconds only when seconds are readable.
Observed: 10:34:05
